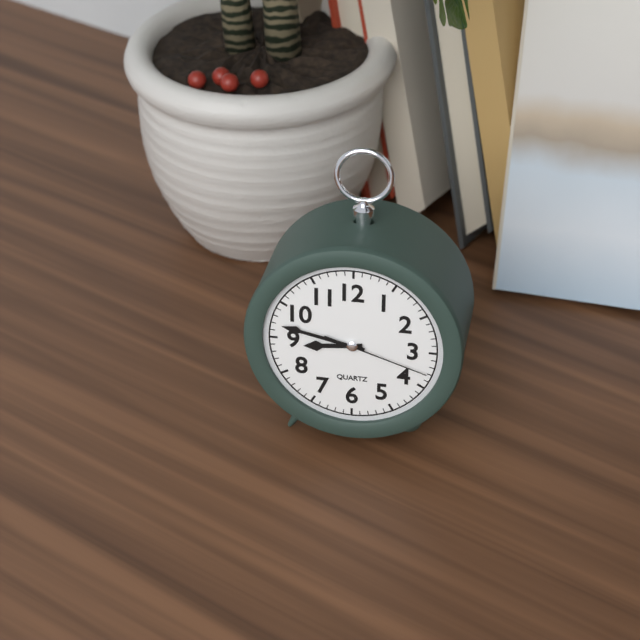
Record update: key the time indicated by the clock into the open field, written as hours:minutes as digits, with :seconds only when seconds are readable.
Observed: 8:47:18
